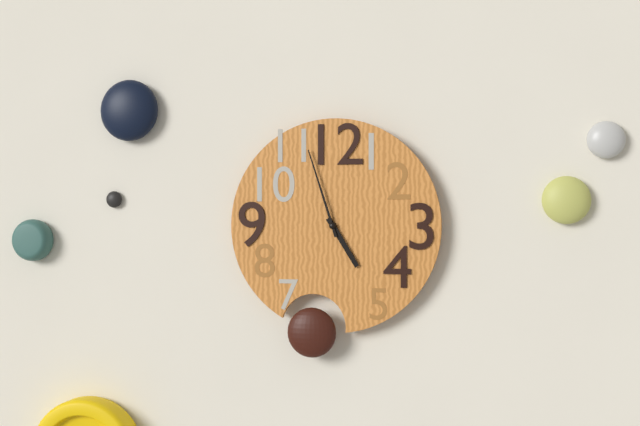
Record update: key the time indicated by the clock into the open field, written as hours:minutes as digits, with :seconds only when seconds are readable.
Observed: 4:57
